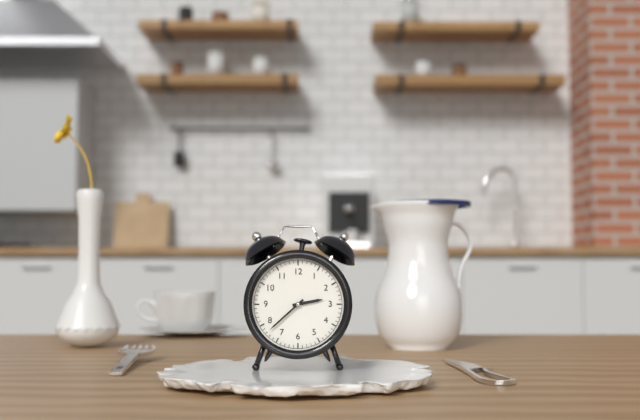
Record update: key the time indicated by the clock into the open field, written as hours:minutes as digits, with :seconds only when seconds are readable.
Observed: 2:38
